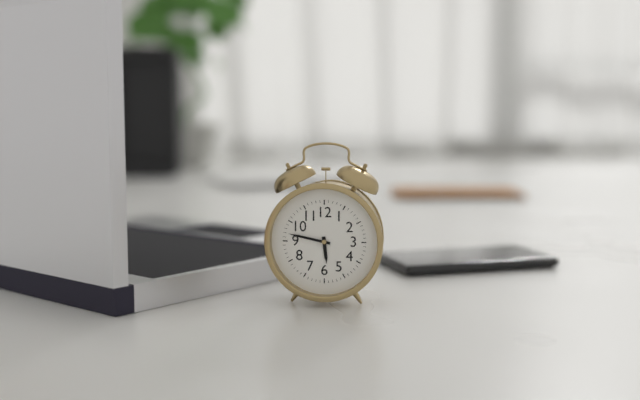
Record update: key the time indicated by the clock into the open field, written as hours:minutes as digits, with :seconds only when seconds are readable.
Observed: 5:47
